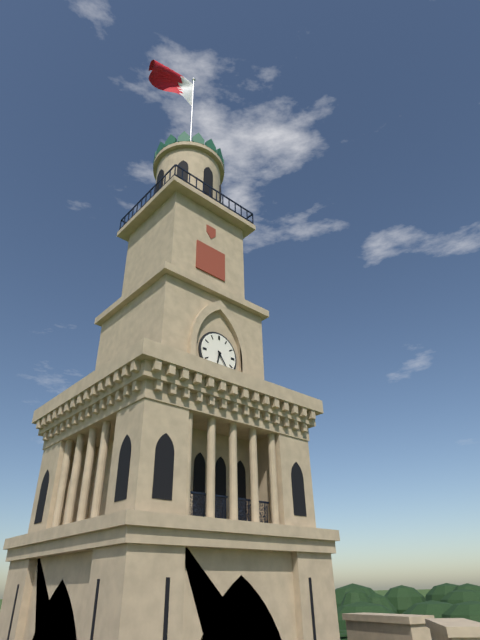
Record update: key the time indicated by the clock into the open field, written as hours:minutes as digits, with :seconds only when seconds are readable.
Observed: 6:24
